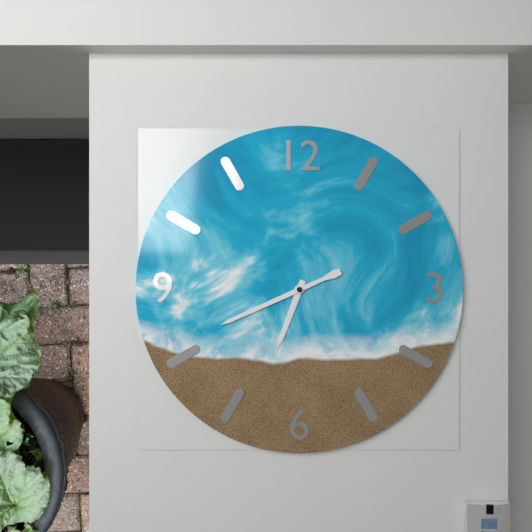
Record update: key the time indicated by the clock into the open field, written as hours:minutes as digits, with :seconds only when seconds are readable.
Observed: 6:41
